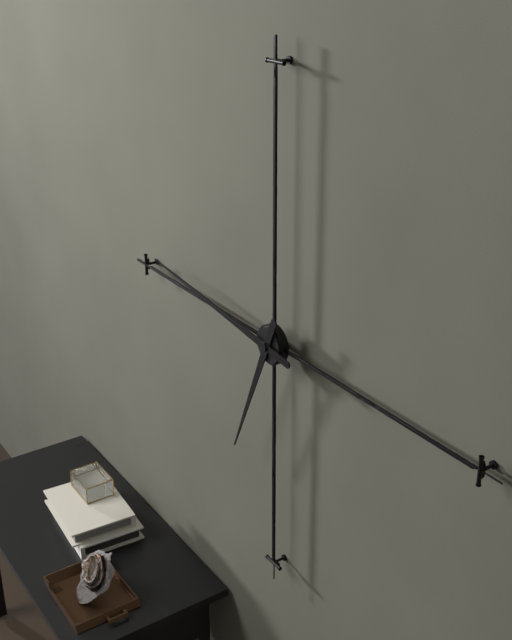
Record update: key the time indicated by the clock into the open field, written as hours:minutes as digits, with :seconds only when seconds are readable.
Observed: 6:46
